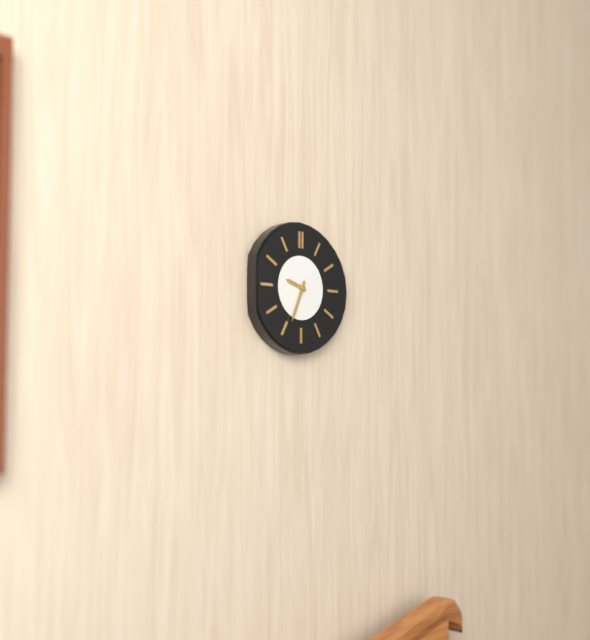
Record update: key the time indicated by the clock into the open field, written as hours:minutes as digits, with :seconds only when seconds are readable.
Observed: 9:34
